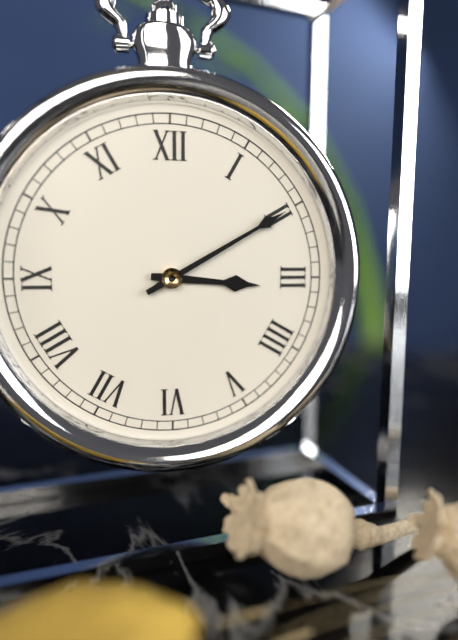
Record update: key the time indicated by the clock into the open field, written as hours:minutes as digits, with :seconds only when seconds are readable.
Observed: 3:10
